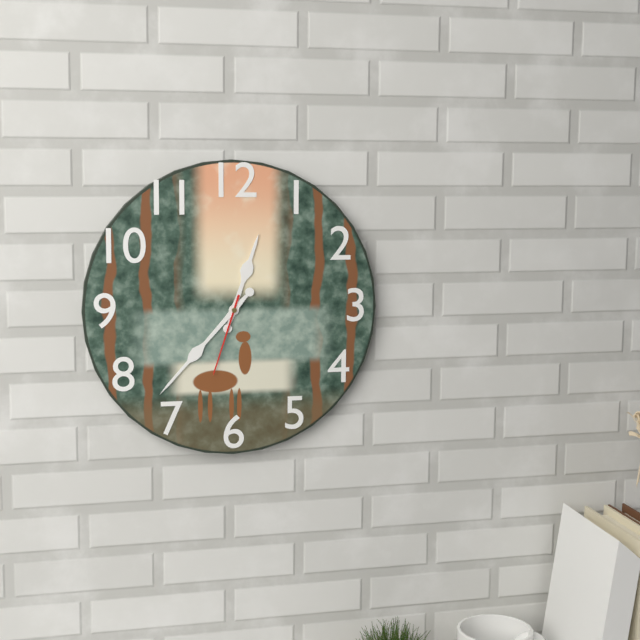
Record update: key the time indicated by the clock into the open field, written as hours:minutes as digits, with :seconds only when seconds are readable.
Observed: 12:37:33
